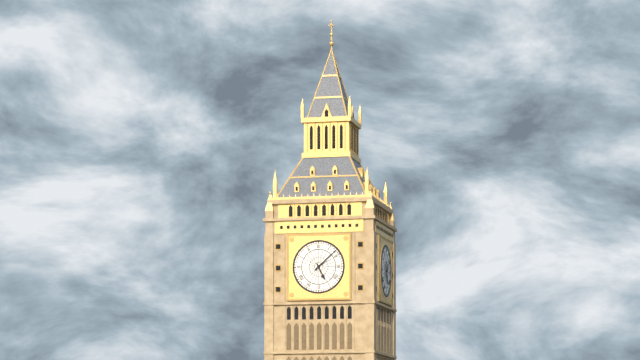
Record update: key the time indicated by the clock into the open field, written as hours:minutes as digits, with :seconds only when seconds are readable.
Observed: 5:08
